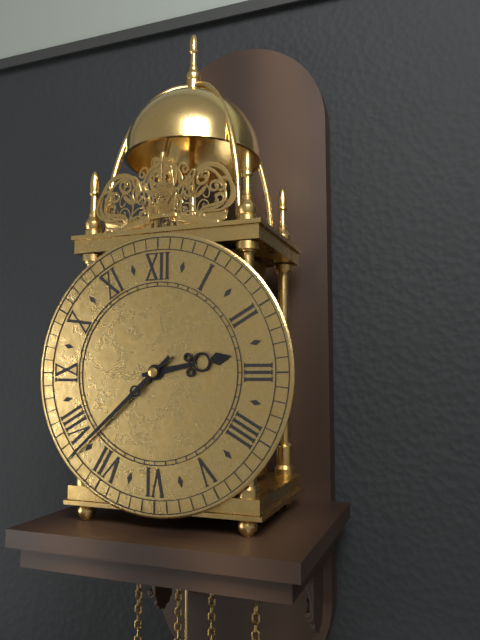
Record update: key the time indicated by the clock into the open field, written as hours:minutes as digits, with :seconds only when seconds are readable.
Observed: 2:38
